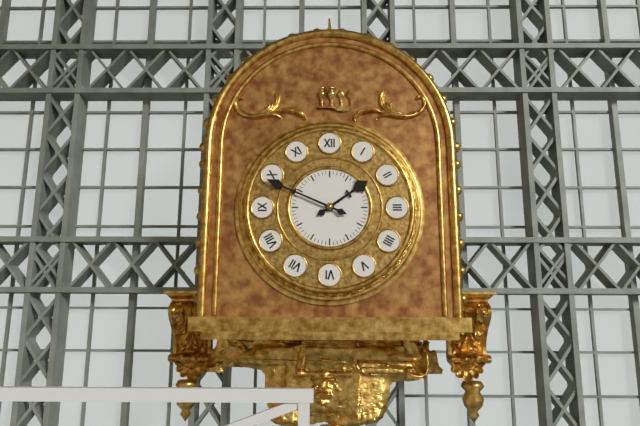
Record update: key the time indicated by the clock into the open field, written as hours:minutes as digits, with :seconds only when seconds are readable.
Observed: 1:49
